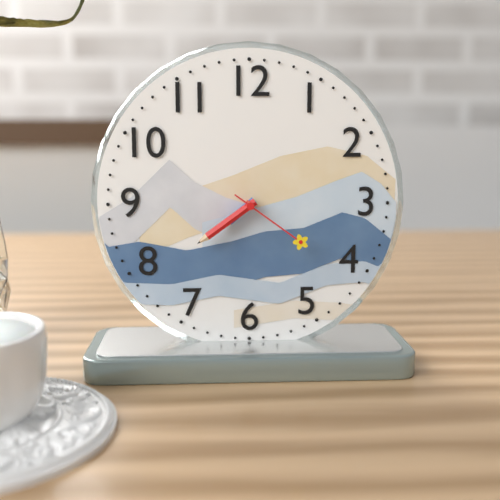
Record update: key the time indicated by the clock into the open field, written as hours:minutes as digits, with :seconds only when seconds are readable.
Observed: 7:39:21
